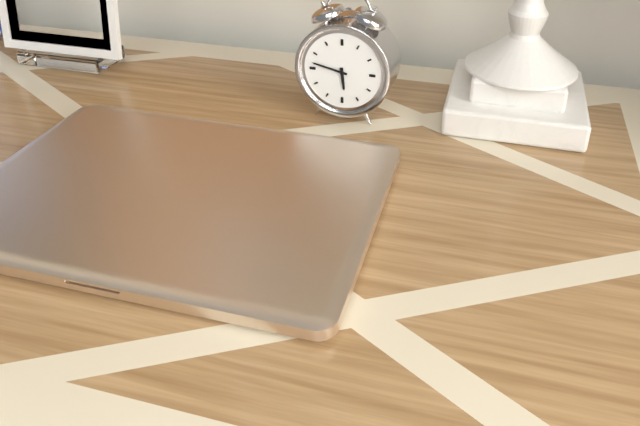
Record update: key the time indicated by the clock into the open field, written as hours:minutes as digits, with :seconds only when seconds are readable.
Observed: 5:47
